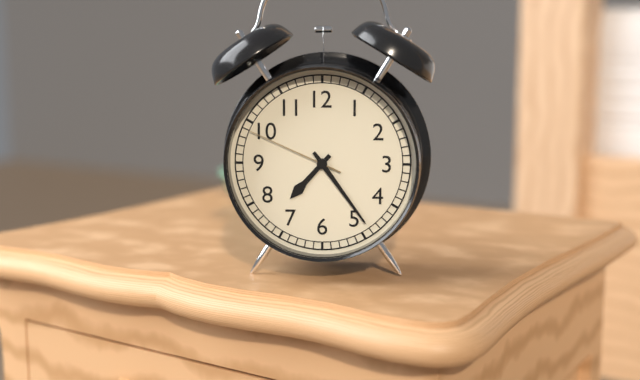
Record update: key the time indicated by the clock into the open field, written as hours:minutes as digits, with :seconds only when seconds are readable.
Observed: 7:24:49
